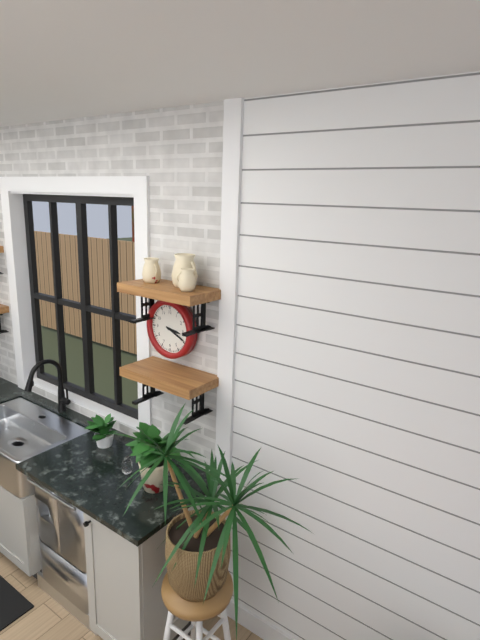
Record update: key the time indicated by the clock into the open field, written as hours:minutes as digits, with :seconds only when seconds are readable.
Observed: 3:19
